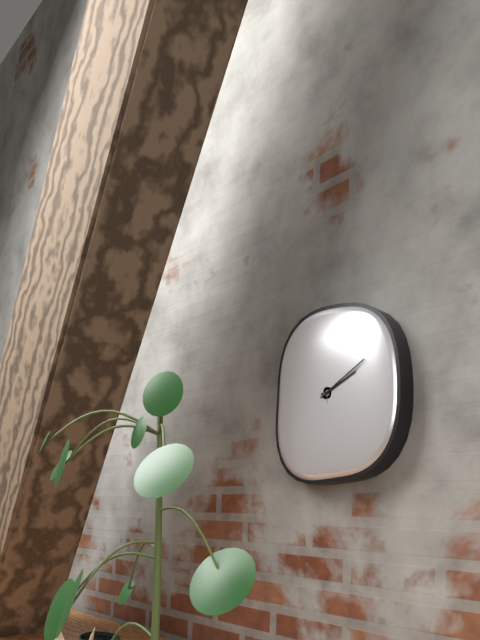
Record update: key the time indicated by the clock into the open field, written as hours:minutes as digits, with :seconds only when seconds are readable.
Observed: 2:10
